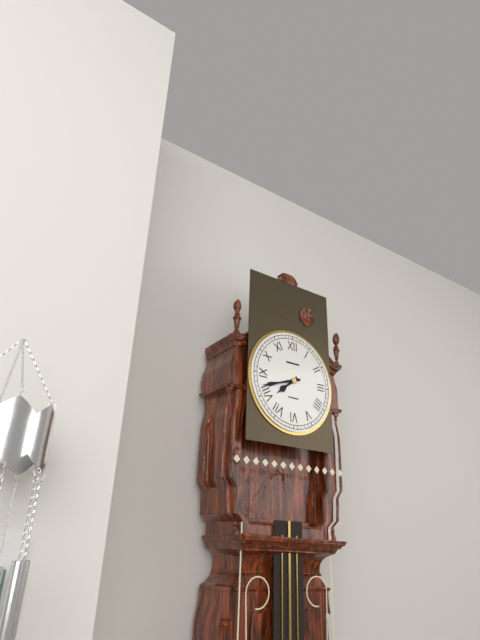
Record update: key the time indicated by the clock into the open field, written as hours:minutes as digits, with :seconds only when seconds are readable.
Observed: 7:42
